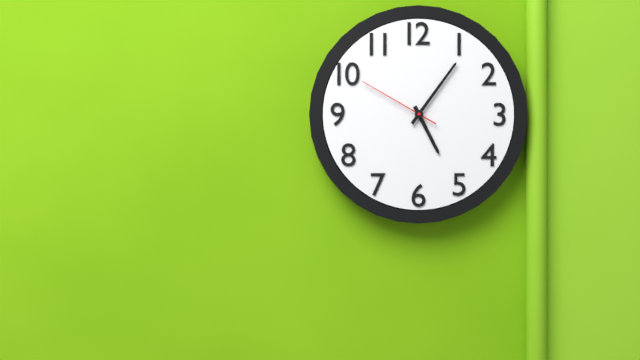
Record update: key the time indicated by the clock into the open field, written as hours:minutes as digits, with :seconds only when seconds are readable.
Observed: 5:06:50
